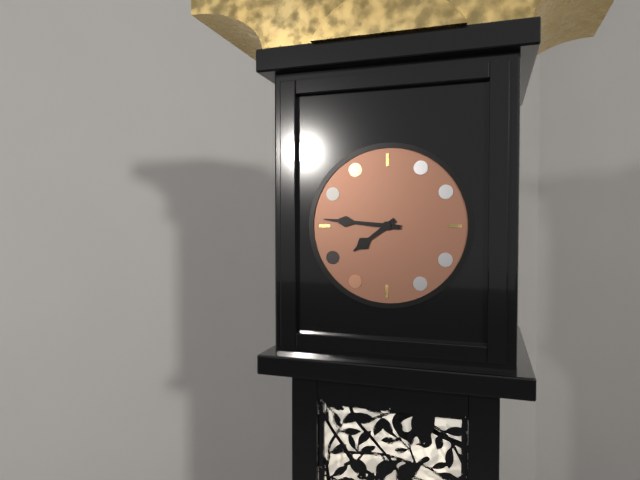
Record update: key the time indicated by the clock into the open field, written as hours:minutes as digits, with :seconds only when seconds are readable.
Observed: 7:46
